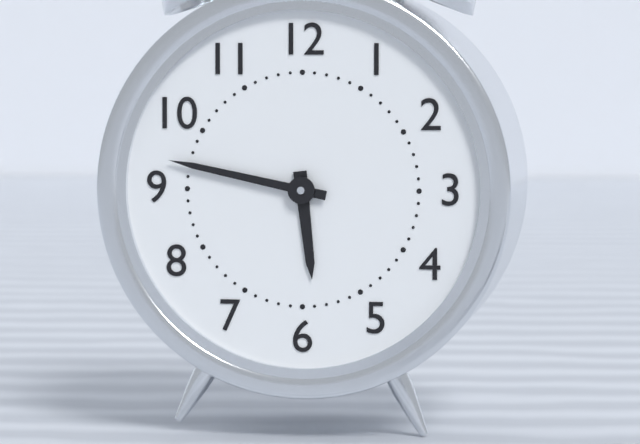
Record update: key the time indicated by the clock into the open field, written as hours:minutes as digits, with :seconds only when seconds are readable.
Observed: 5:47
